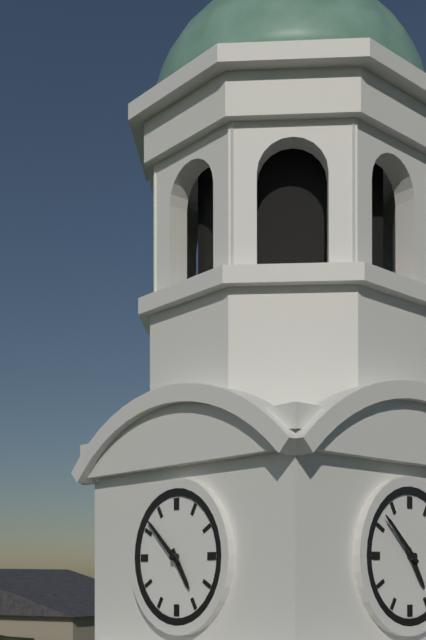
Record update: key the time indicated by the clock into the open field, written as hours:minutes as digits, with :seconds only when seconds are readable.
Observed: 4:52
